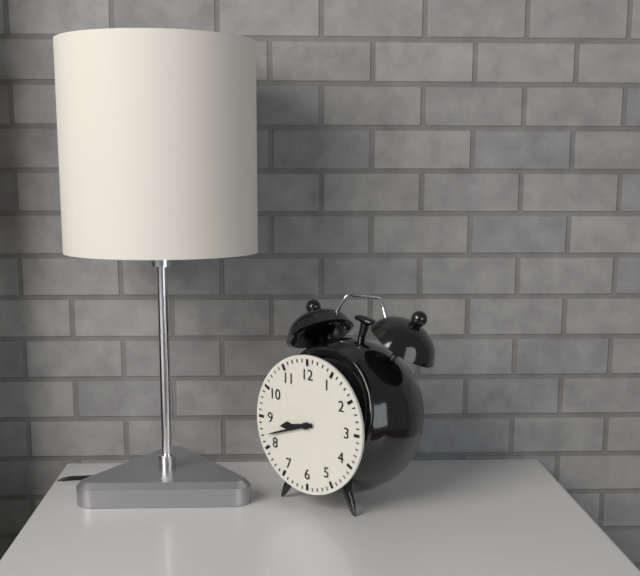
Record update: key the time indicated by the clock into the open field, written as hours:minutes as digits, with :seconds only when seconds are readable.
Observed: 8:42
